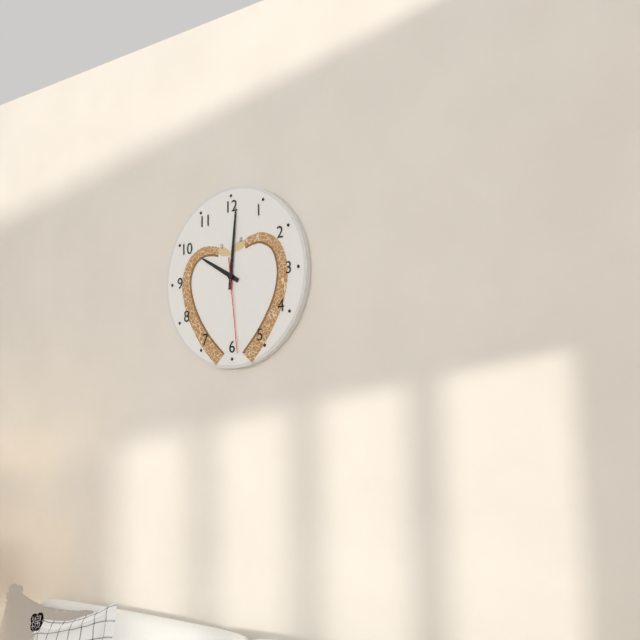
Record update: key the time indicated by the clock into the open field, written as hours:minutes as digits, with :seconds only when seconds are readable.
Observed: 10:01:29
